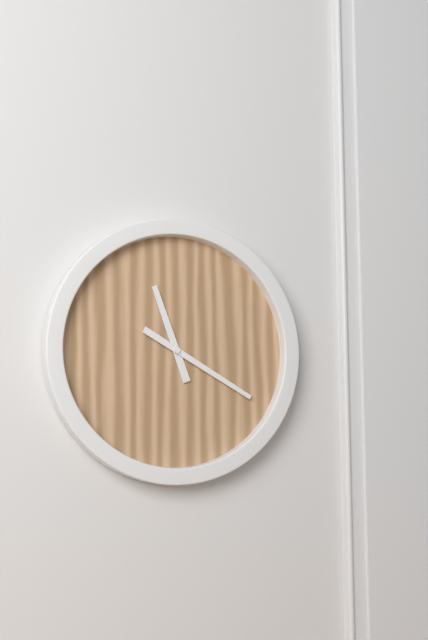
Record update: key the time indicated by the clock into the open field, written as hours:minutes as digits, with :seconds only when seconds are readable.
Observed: 11:20
